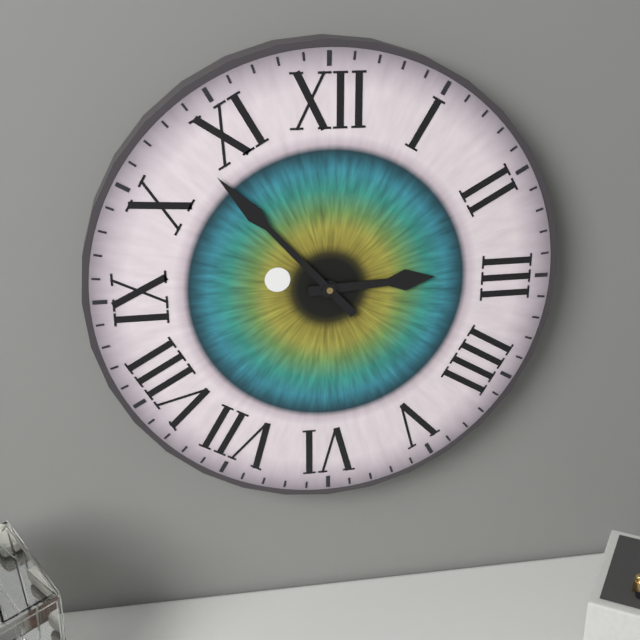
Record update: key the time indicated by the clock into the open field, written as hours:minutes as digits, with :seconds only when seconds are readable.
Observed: 2:53
